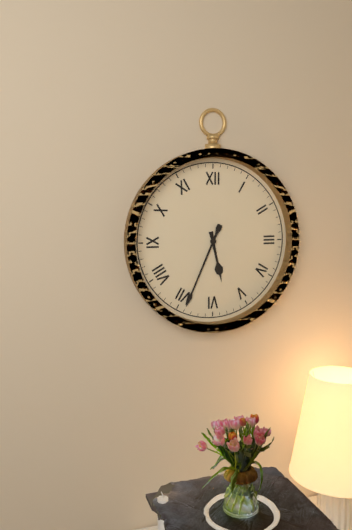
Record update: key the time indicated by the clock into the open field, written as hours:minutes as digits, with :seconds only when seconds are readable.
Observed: 5:34
